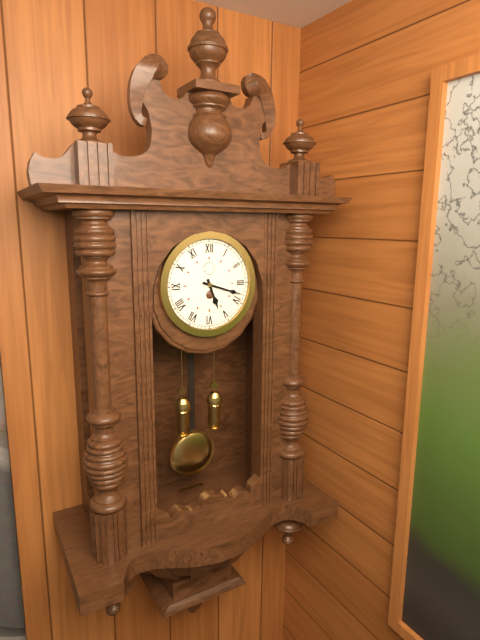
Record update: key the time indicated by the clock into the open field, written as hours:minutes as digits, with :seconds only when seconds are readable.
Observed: 5:18
